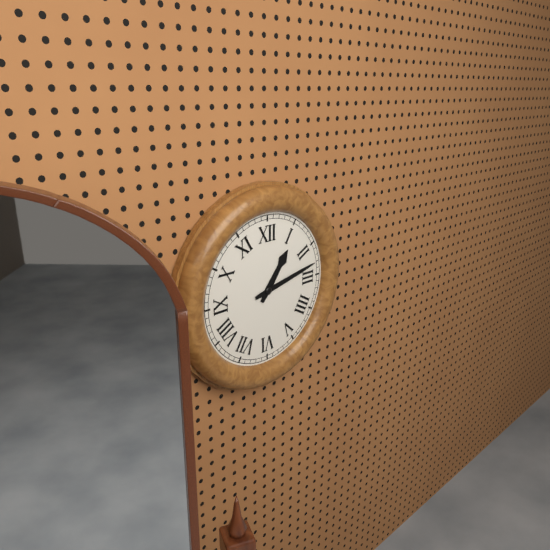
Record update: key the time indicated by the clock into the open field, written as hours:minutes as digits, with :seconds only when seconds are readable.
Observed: 1:13
